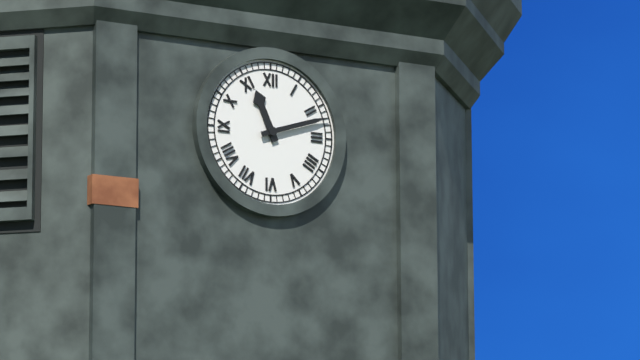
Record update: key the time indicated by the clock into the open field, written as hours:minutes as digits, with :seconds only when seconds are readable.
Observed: 11:12
